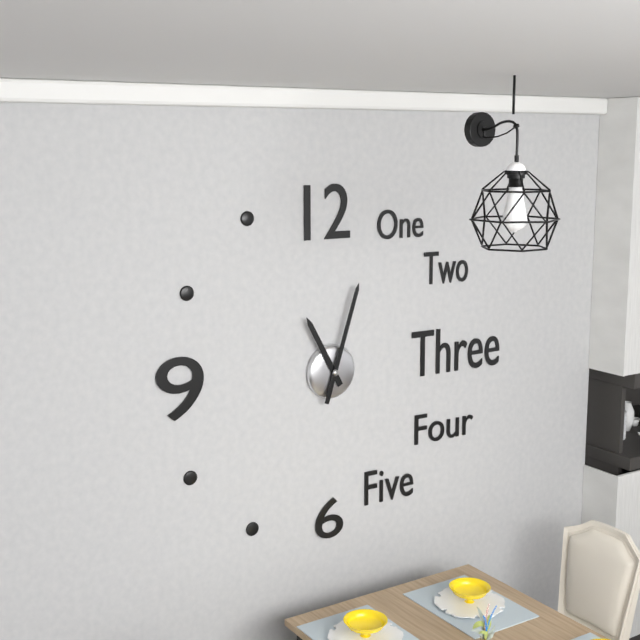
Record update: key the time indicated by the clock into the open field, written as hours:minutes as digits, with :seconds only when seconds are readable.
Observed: 11:03
